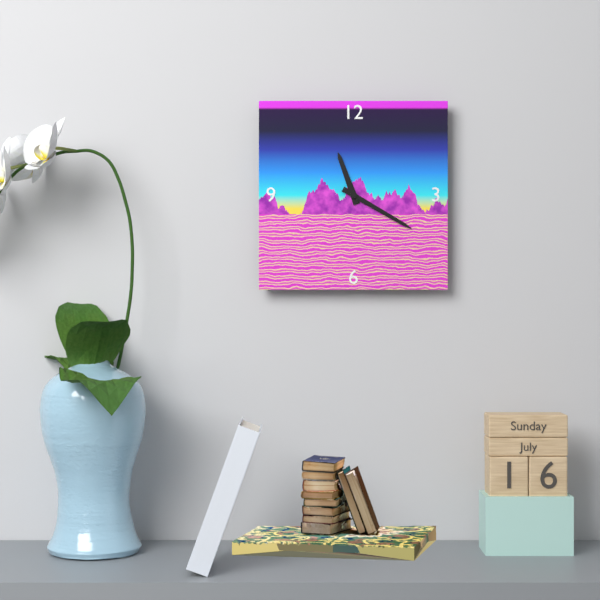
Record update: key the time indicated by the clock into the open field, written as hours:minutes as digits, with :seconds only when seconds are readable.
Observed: 11:20
